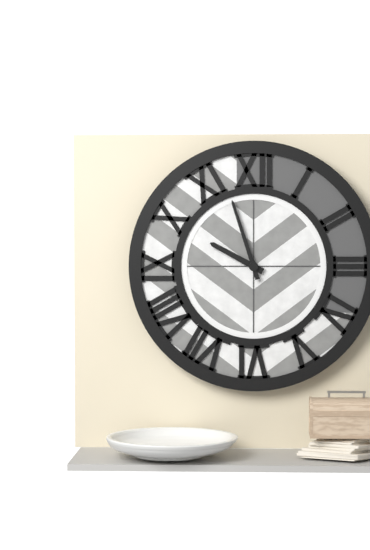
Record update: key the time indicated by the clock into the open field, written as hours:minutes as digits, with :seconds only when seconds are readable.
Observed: 9:57
